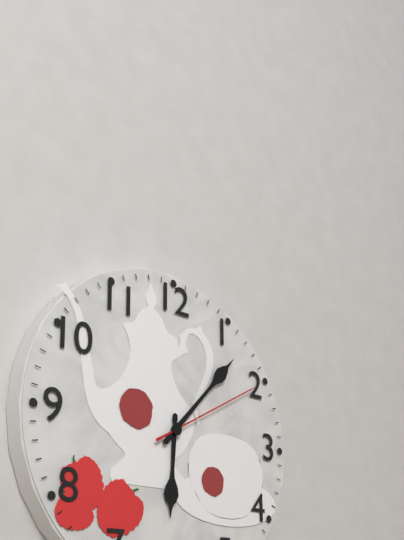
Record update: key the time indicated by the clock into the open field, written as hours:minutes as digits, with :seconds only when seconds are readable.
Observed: 6:07:10
